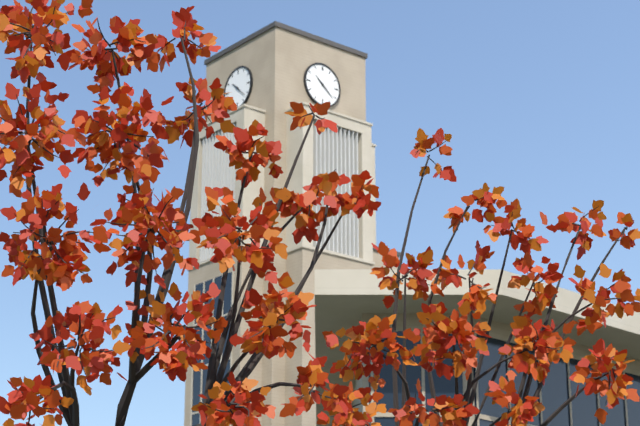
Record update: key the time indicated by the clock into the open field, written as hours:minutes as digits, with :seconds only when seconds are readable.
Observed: 10:22
